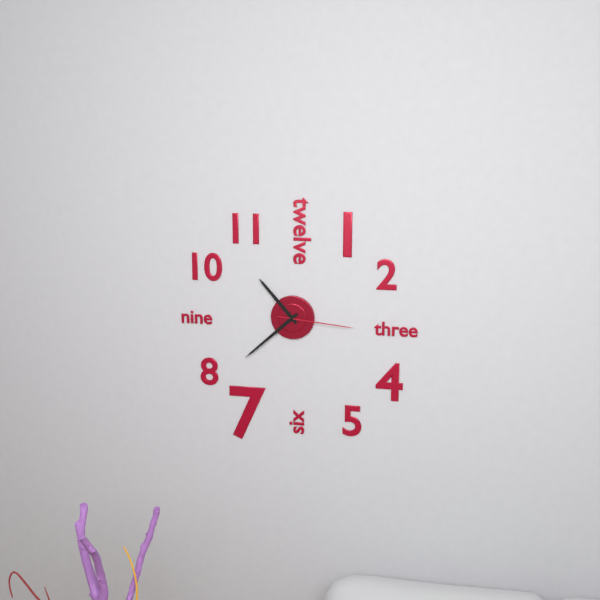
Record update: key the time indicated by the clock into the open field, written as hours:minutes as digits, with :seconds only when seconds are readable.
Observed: 10:38:16
